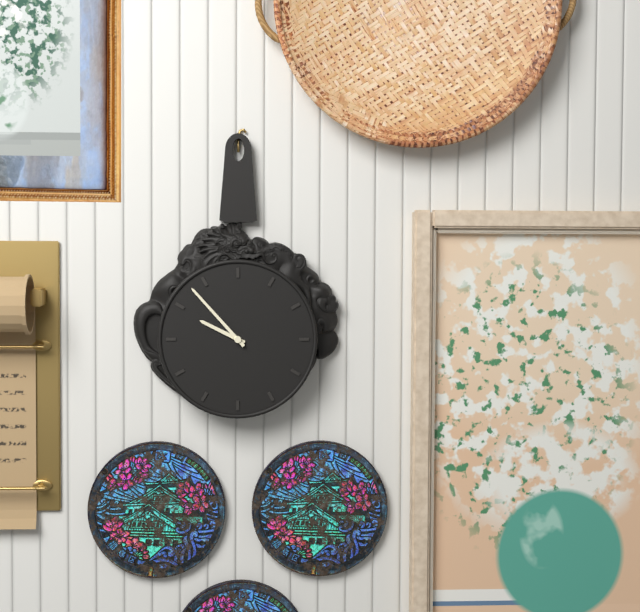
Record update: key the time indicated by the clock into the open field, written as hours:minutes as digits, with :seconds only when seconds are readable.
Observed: 9:53
